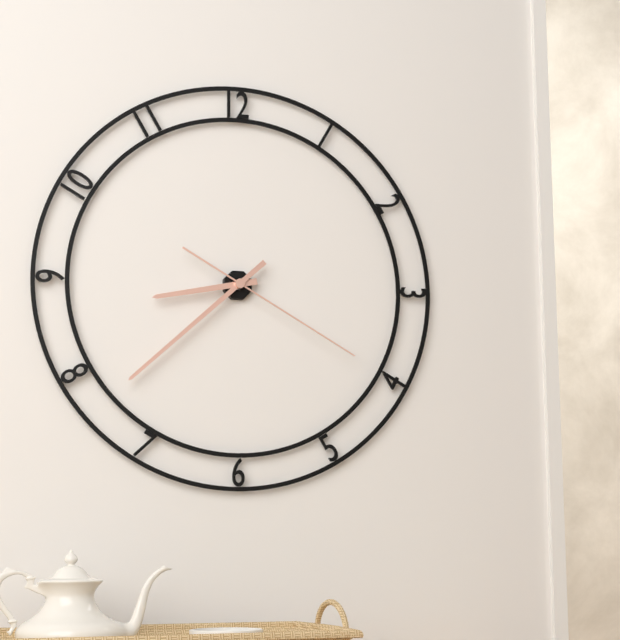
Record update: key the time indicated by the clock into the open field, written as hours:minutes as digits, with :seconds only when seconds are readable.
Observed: 8:38:20
